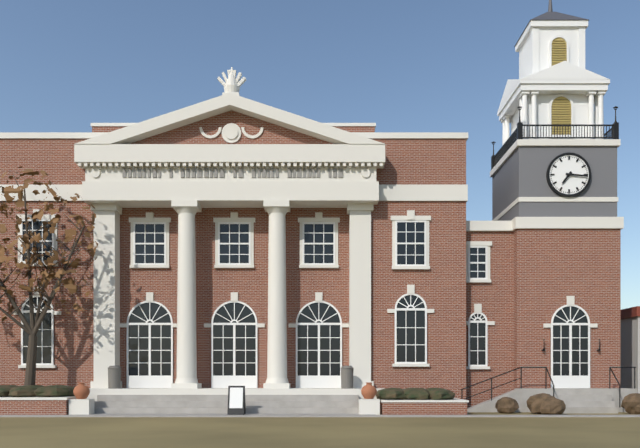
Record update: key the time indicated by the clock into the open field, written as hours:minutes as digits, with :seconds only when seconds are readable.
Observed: 7:16
